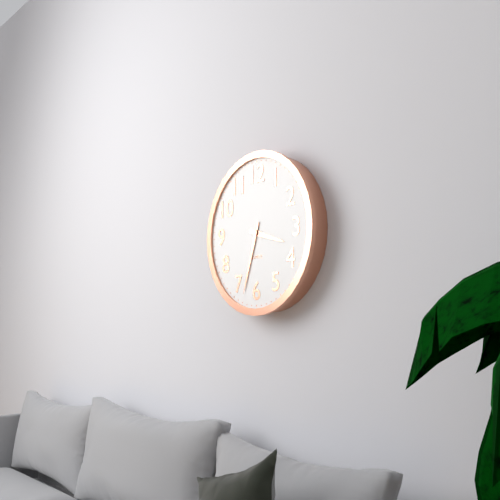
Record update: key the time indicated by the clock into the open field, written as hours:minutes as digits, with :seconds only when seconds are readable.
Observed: 3:33
